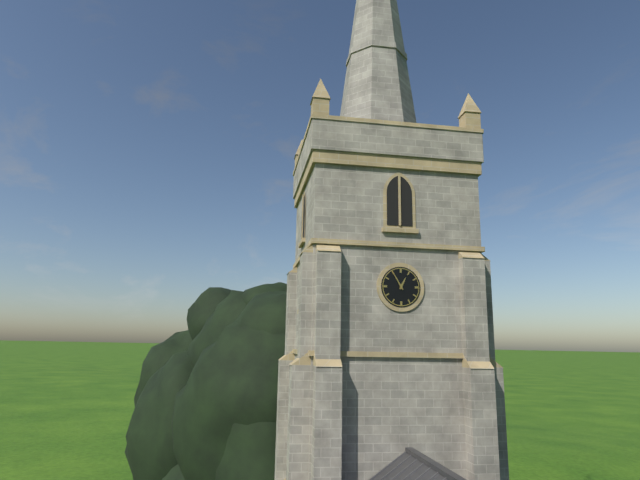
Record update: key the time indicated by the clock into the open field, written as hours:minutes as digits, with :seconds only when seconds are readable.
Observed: 12:55
